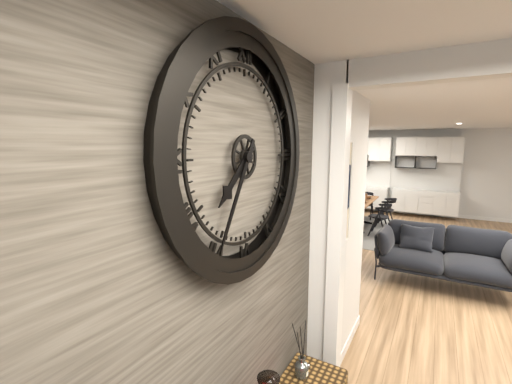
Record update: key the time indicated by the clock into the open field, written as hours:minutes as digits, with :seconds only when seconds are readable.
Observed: 7:35
